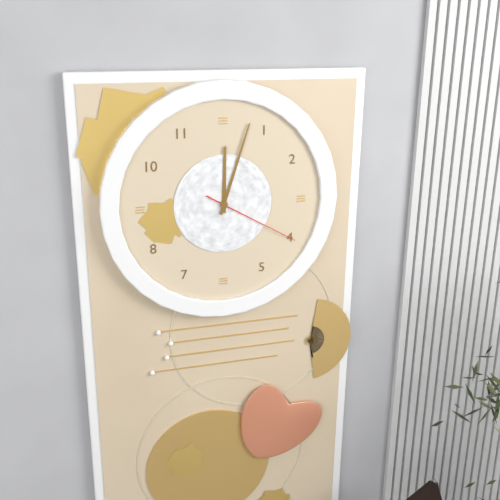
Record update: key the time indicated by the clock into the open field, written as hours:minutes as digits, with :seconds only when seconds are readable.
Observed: 12:03:20
